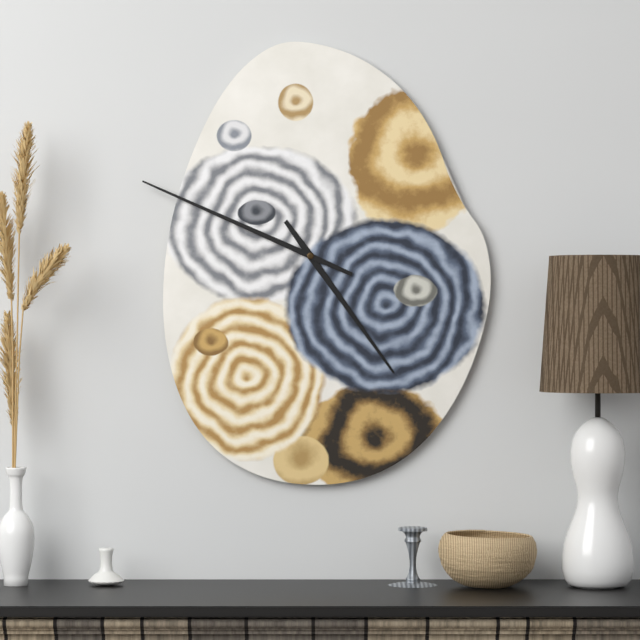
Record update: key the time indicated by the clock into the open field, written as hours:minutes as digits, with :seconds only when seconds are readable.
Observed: 4:49
